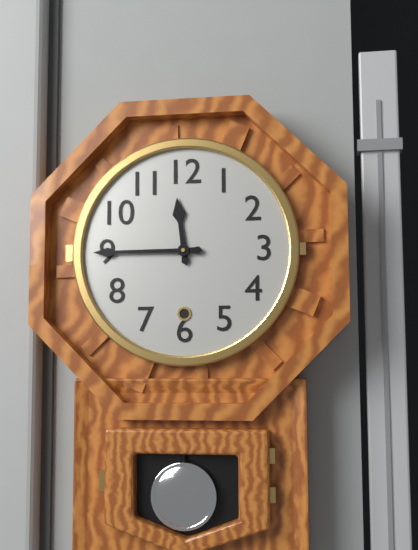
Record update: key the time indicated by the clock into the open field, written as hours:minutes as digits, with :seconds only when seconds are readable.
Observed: 11:45
